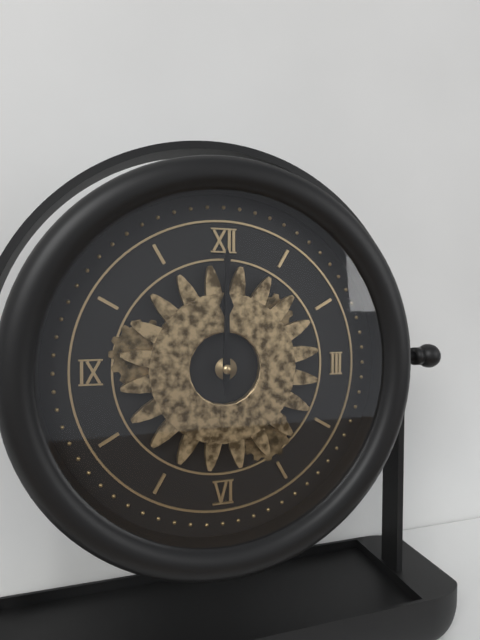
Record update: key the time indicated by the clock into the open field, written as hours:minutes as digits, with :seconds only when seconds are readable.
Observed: 12:00
